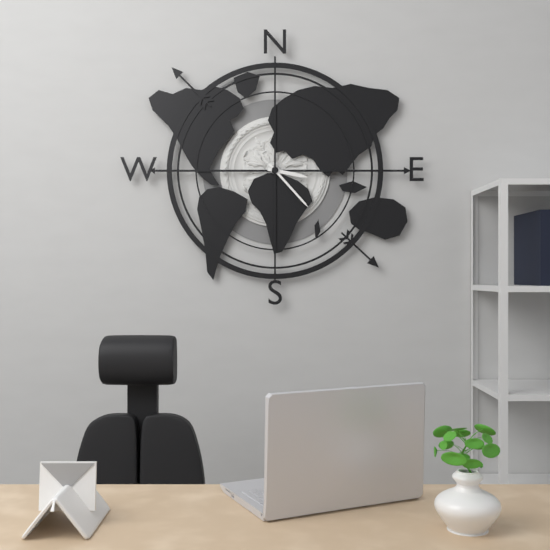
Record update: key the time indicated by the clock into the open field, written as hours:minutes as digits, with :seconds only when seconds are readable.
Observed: 3:23
